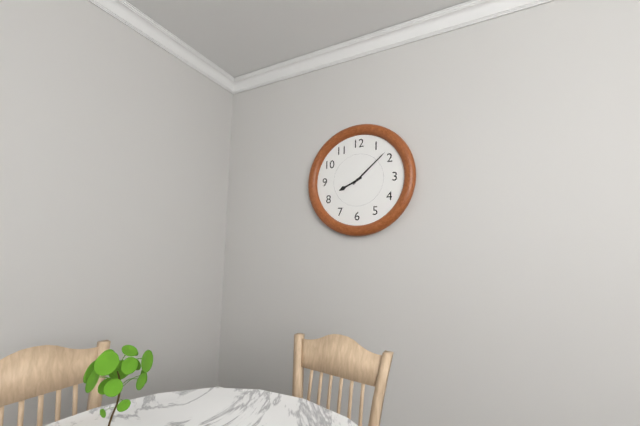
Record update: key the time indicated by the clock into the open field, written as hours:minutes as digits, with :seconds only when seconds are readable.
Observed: 8:08
